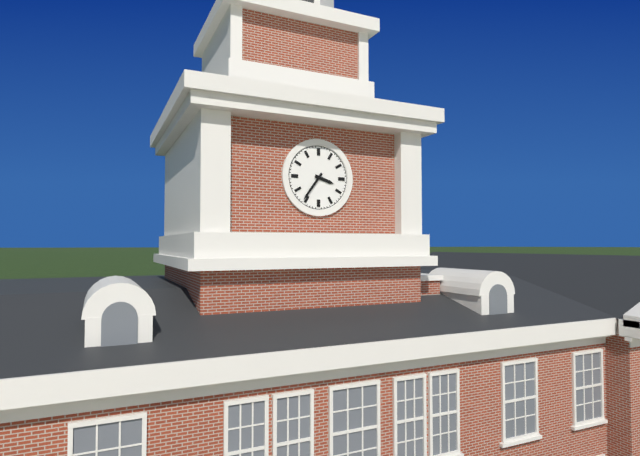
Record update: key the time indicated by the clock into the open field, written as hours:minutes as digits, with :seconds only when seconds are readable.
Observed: 3:36
